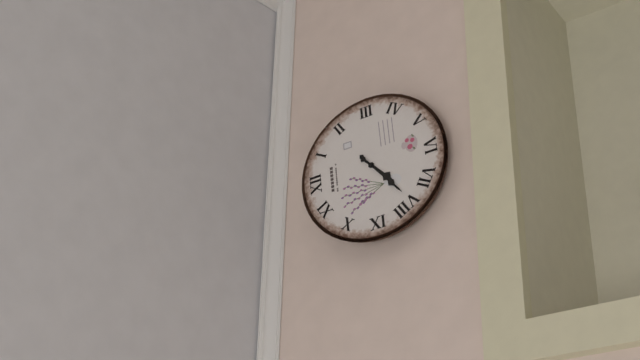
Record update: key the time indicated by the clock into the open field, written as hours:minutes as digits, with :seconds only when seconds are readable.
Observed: 7:39
